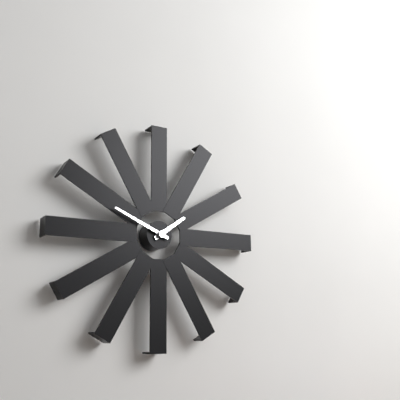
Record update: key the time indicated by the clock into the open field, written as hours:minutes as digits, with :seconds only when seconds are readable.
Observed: 1:49
